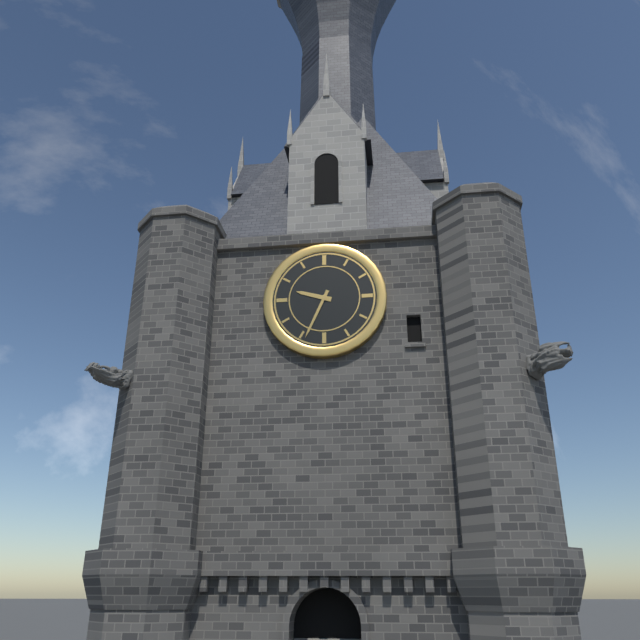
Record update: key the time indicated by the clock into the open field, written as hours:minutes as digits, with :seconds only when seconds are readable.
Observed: 9:34
